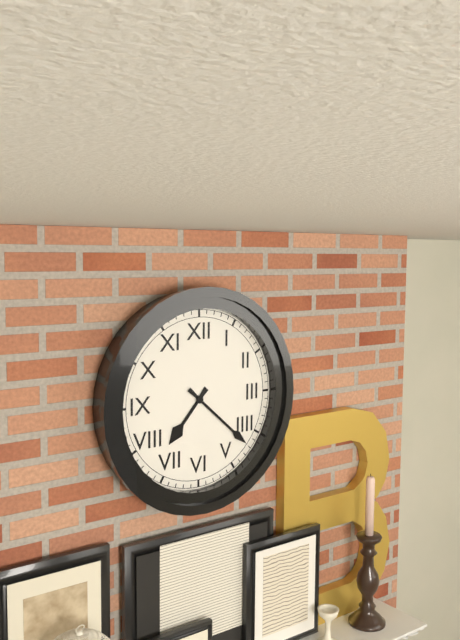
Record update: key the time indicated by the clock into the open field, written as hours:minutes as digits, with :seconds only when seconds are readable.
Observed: 7:22
